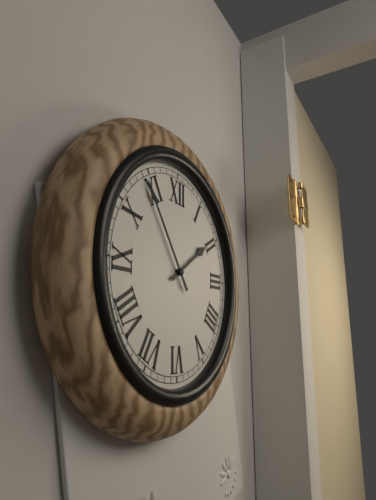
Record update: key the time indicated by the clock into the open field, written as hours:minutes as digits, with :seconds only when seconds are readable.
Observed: 1:54
